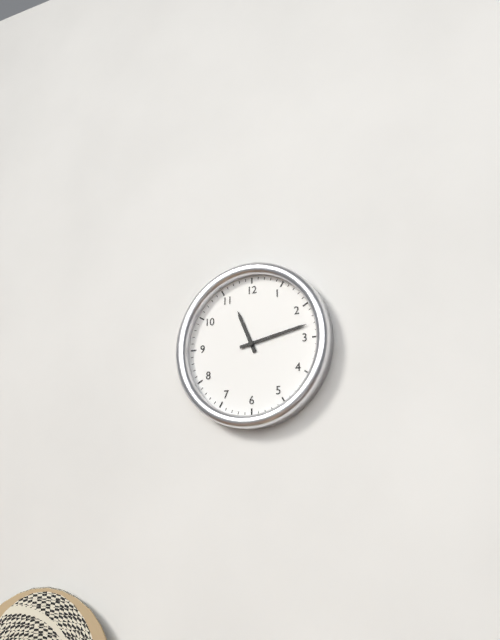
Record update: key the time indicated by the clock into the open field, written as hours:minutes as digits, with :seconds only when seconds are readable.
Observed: 11:13
